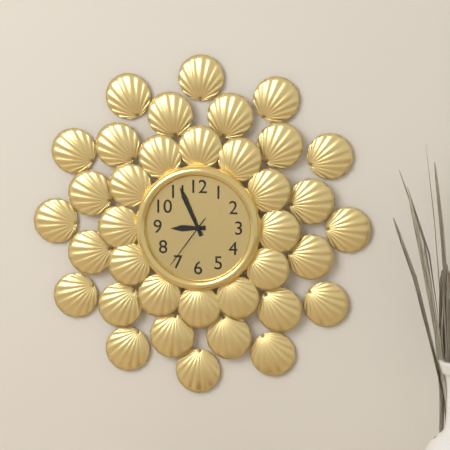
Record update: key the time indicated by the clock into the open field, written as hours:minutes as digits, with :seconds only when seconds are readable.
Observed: 8:56:36
